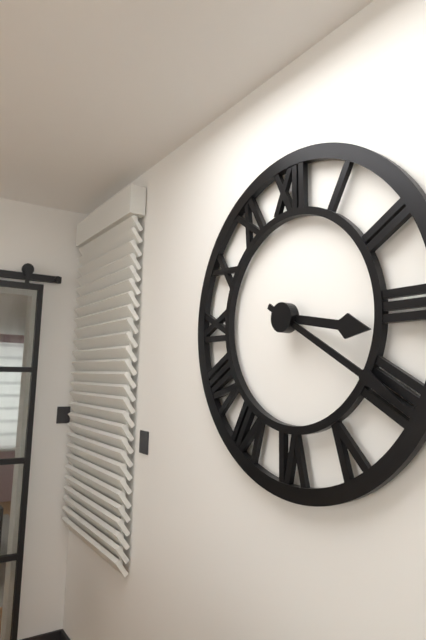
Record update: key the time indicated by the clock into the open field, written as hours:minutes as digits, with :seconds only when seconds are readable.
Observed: 3:20
